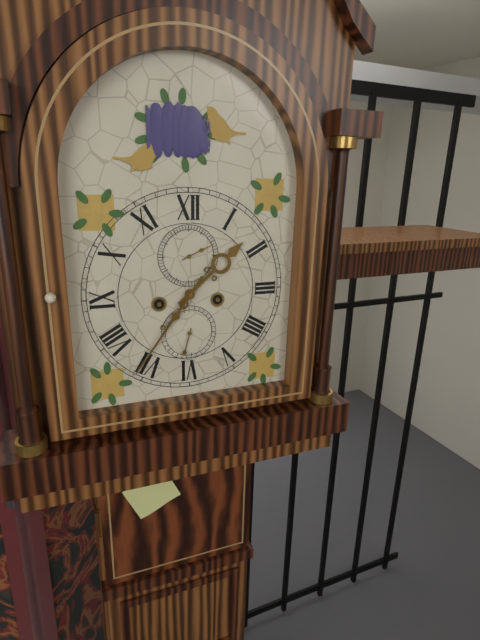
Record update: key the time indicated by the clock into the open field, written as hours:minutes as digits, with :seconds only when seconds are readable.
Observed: 1:36
